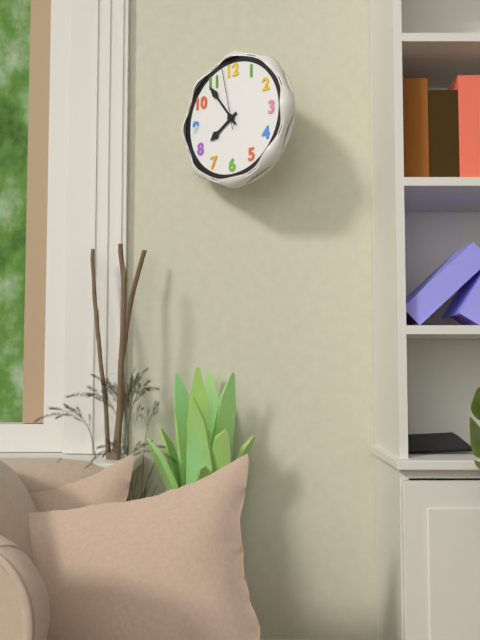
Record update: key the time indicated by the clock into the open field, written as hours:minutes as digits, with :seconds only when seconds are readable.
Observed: 7:54:58
